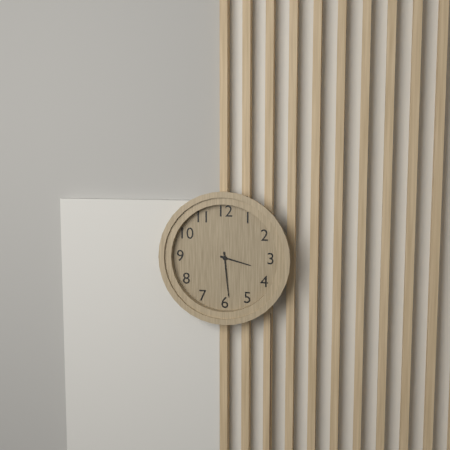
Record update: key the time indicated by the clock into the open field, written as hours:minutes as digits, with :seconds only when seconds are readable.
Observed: 3:29
